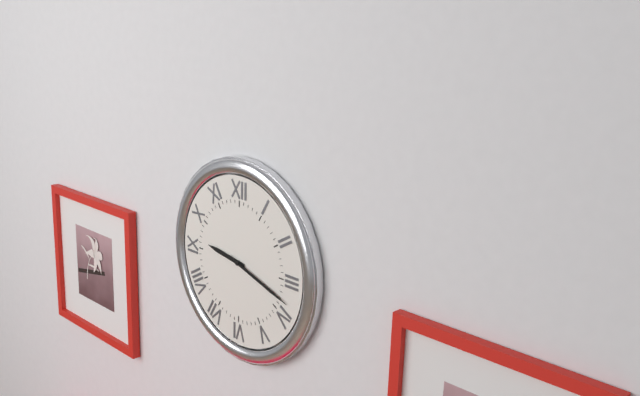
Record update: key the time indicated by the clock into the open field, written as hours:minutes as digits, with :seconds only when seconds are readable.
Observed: 9:18
